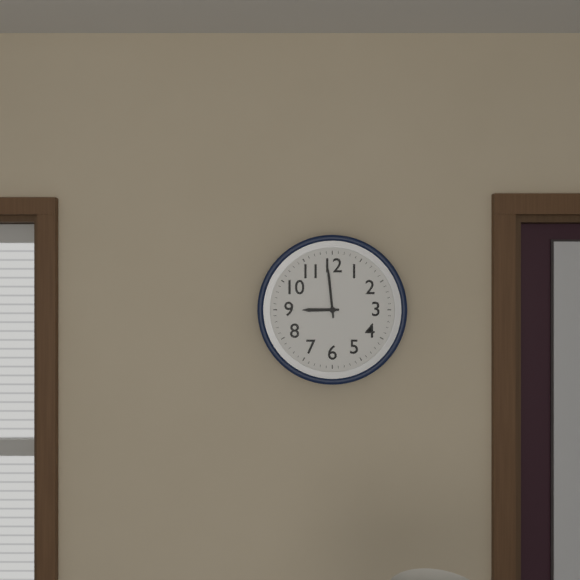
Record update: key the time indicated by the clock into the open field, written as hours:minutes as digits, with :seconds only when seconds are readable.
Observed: 8:59
